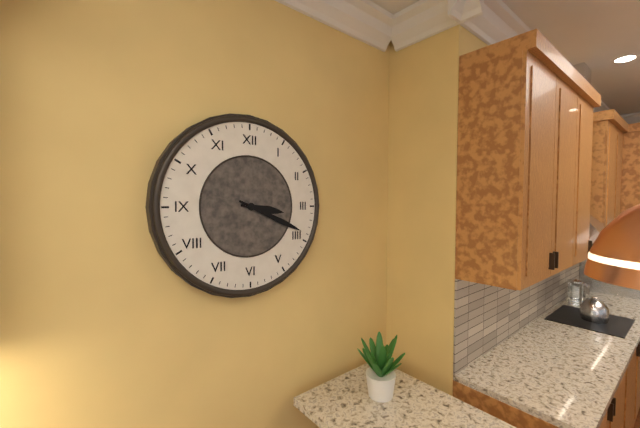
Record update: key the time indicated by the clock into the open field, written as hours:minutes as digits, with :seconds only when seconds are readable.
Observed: 3:19
